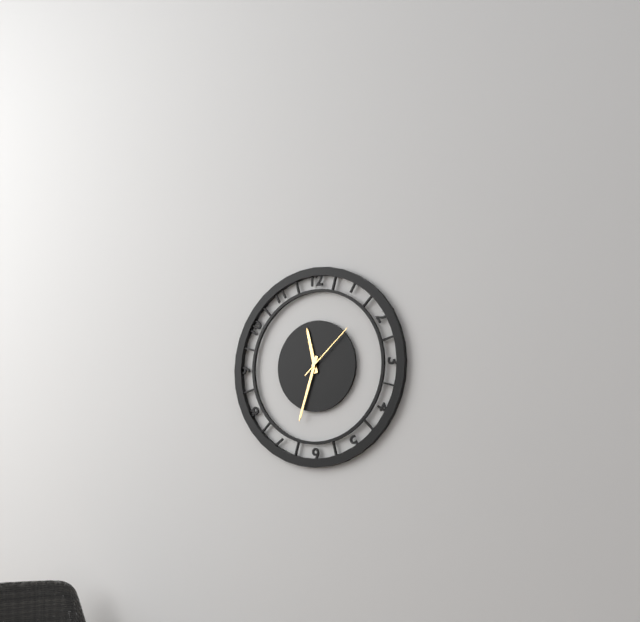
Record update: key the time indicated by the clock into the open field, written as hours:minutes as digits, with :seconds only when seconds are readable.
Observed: 11:33:08
